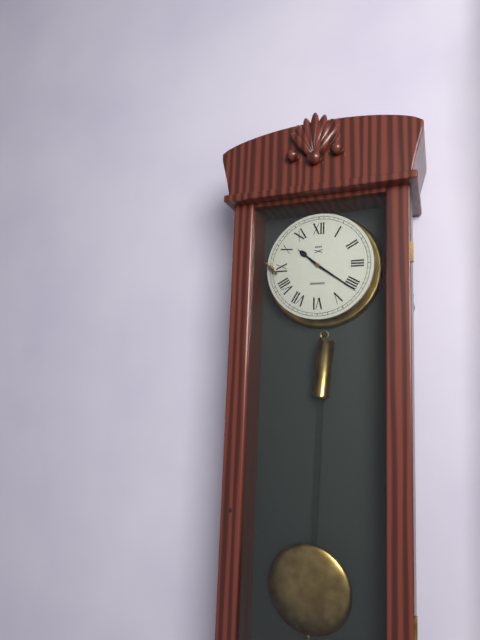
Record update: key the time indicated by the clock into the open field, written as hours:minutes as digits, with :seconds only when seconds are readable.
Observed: 10:21
